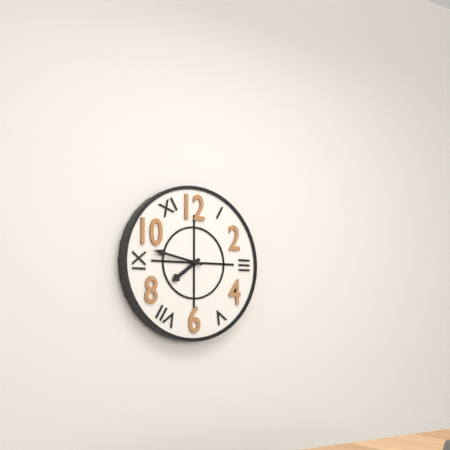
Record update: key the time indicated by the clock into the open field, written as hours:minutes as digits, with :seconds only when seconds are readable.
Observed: 7:47
